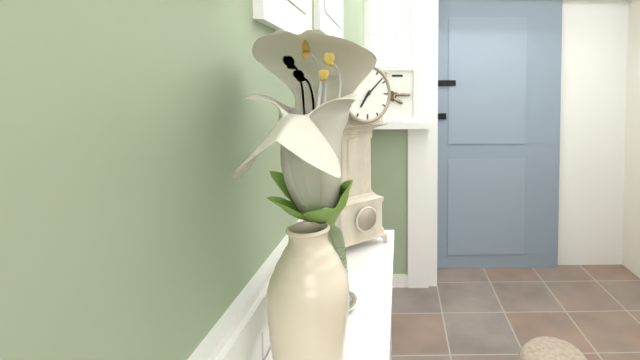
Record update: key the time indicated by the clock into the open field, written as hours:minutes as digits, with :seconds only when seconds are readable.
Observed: 7:08
